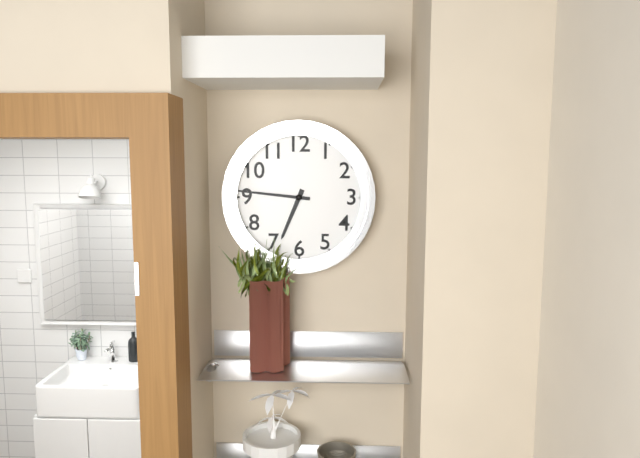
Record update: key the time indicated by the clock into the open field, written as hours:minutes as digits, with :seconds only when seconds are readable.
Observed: 6:46
